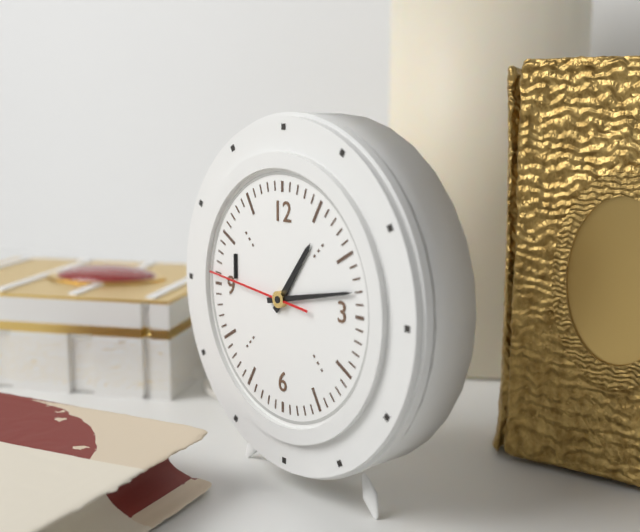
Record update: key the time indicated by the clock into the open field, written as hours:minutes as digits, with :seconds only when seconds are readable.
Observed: 1:13:46
